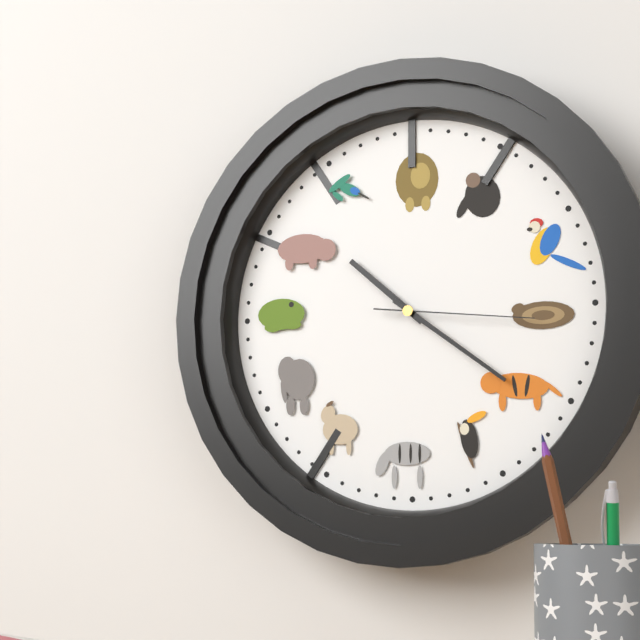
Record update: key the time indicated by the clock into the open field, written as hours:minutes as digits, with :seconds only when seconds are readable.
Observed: 10:21:16
